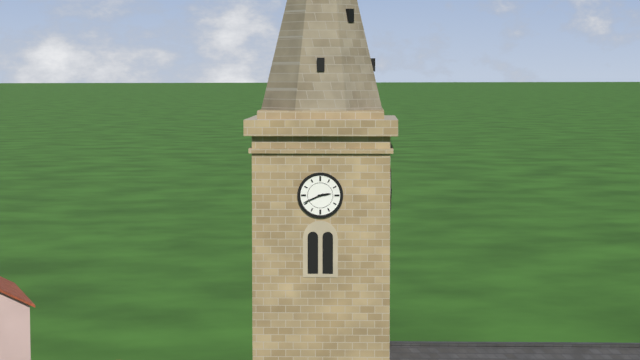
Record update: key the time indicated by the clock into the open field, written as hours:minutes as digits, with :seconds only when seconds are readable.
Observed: 2:41
